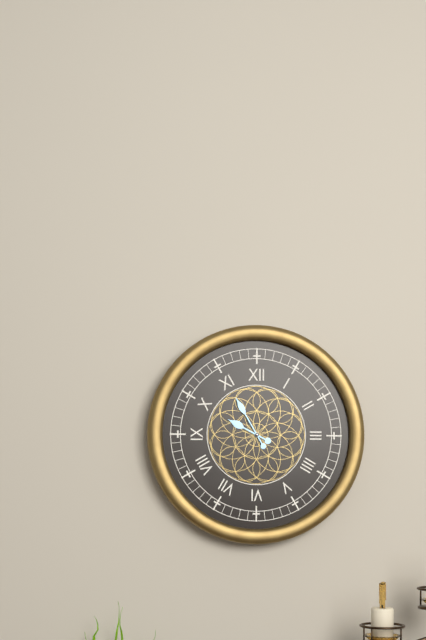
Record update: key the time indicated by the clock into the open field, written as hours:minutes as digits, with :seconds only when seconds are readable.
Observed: 9:55
